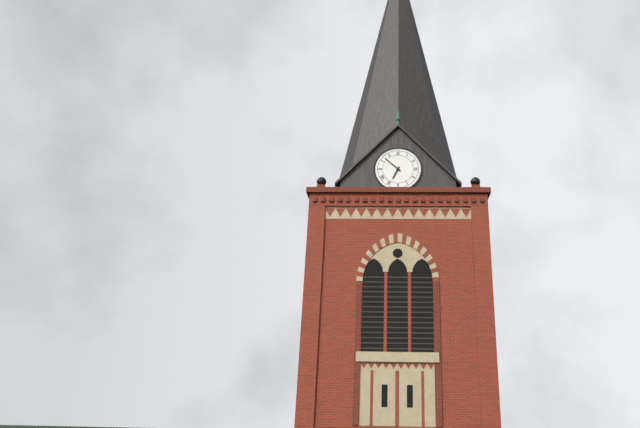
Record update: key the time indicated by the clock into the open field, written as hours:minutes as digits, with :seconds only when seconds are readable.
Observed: 6:52
